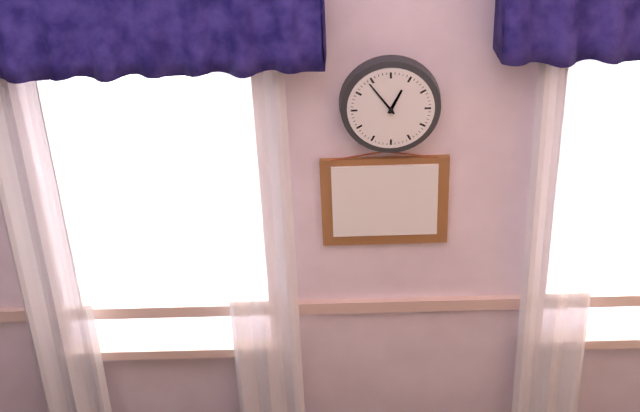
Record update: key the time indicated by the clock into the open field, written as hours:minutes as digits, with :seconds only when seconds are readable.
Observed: 12:54
